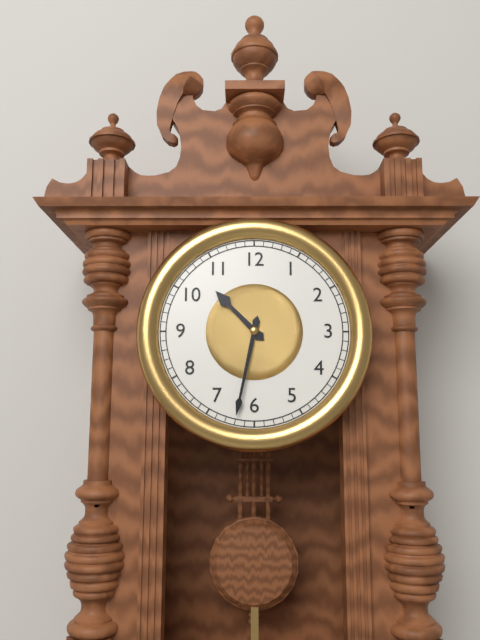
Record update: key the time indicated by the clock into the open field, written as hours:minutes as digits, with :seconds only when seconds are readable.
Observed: 10:32
